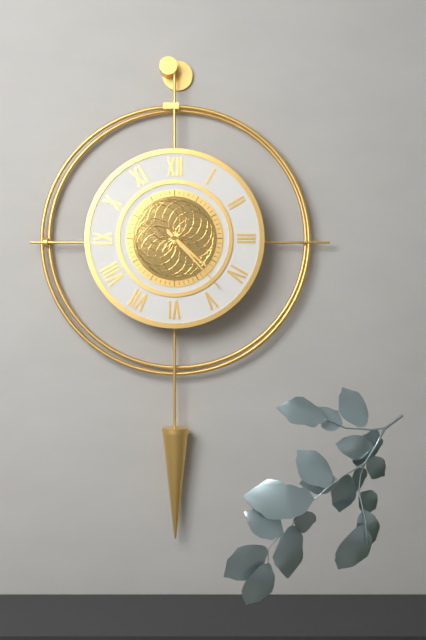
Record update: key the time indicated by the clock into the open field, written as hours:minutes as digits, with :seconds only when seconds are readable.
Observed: 4:23
